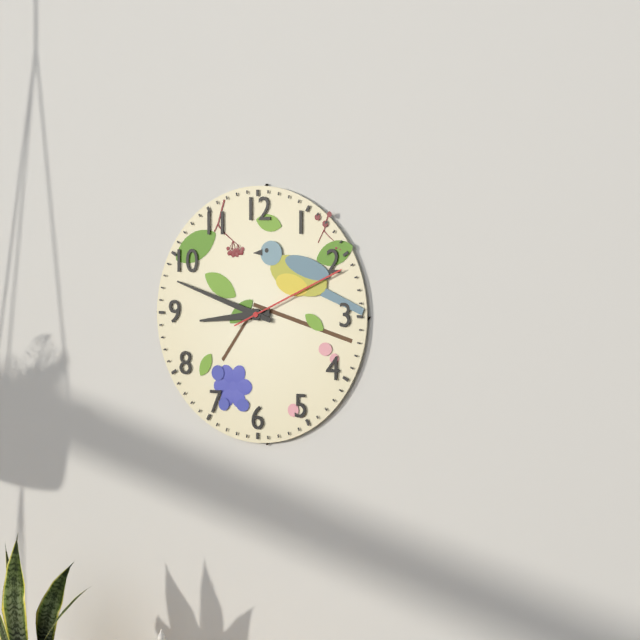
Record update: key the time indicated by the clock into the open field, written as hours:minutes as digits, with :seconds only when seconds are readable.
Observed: 8:48:11
